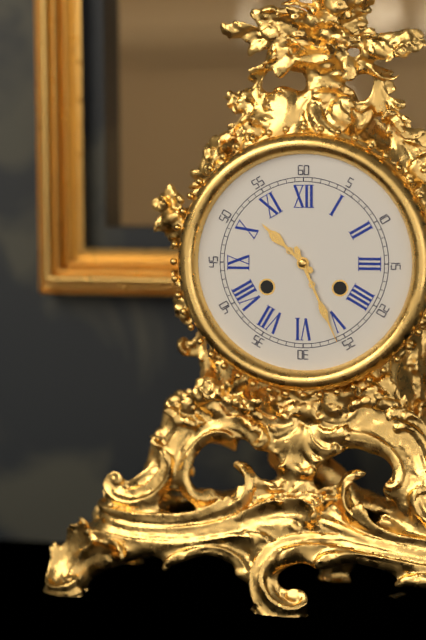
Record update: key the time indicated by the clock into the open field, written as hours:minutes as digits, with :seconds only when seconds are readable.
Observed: 10:26
